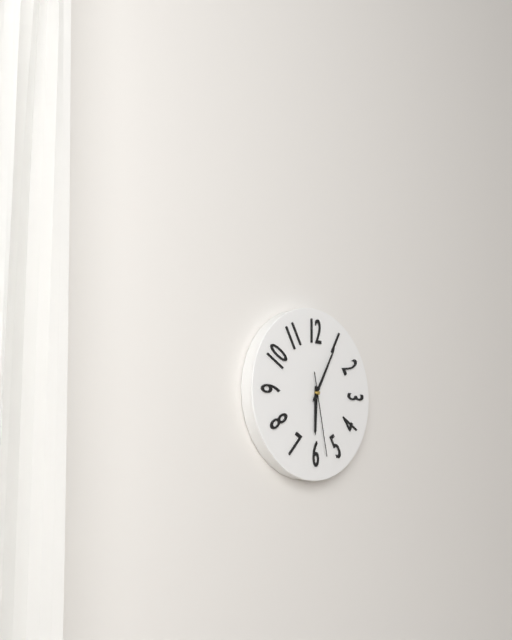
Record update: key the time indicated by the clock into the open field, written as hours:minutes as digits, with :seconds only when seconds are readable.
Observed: 6:05:28
